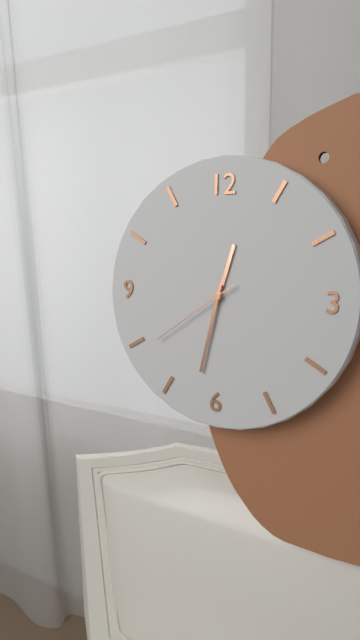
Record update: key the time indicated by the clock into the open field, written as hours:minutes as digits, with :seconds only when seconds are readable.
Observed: 12:32:39
